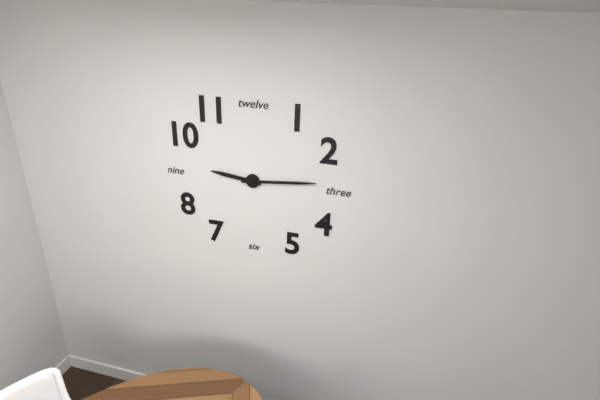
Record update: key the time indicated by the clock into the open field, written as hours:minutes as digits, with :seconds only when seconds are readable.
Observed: 9:14
